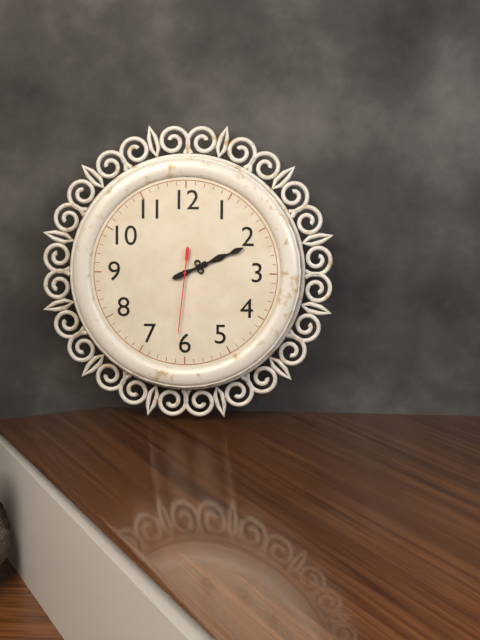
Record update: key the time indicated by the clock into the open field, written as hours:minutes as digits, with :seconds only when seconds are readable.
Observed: 2:11:31
